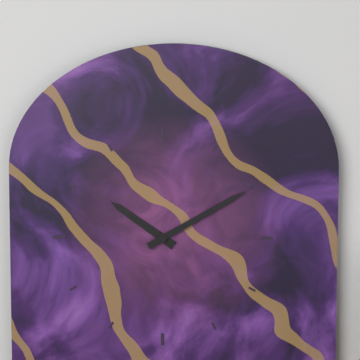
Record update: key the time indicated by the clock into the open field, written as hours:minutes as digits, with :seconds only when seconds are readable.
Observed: 10:10
